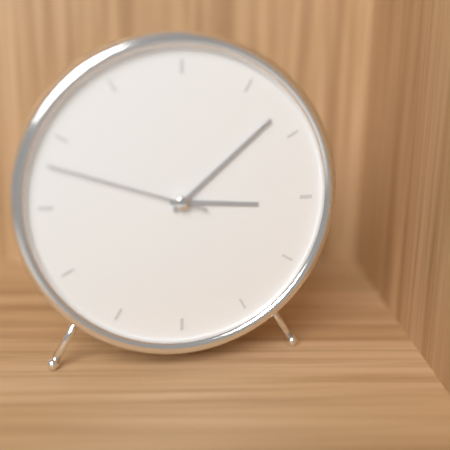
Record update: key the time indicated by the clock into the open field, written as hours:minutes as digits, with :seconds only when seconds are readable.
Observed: 3:08:48
